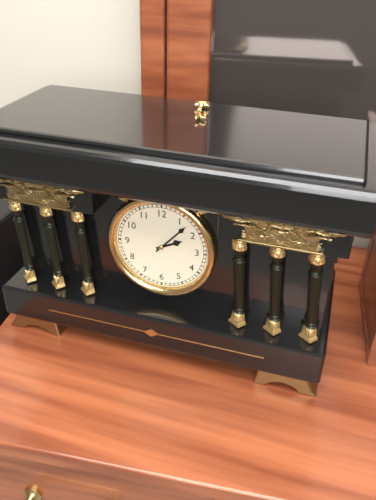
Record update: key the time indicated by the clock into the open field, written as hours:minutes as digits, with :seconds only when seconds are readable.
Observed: 2:07
